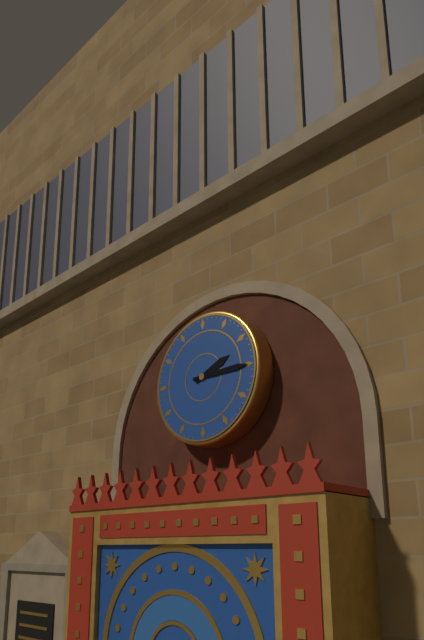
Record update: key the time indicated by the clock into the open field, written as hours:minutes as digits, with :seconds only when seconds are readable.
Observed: 2:15
